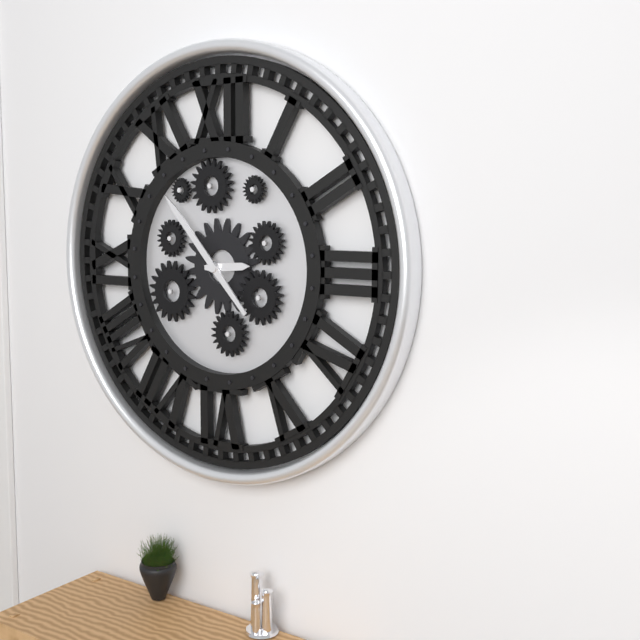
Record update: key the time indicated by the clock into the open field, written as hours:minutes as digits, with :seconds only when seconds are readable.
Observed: 2:53
